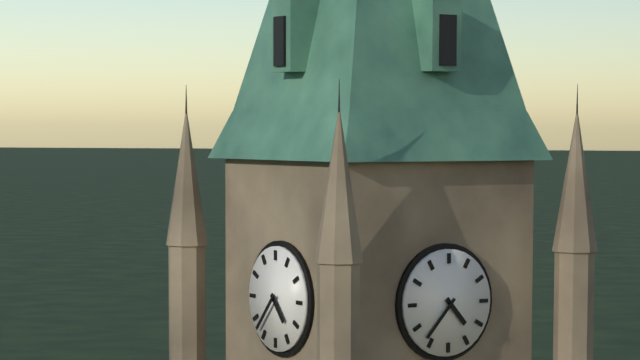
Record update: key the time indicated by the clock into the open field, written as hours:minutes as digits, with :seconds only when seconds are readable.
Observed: 4:37
